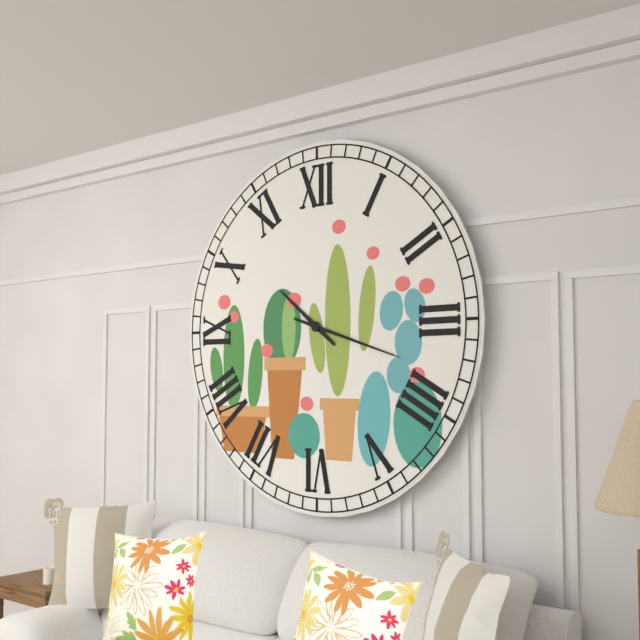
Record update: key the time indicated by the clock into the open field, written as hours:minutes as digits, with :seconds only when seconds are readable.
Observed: 10:18
